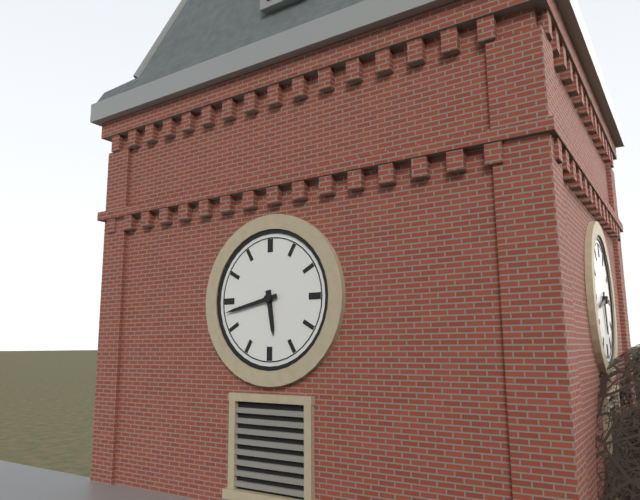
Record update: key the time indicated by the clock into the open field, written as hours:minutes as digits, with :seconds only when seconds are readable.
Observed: 5:43
